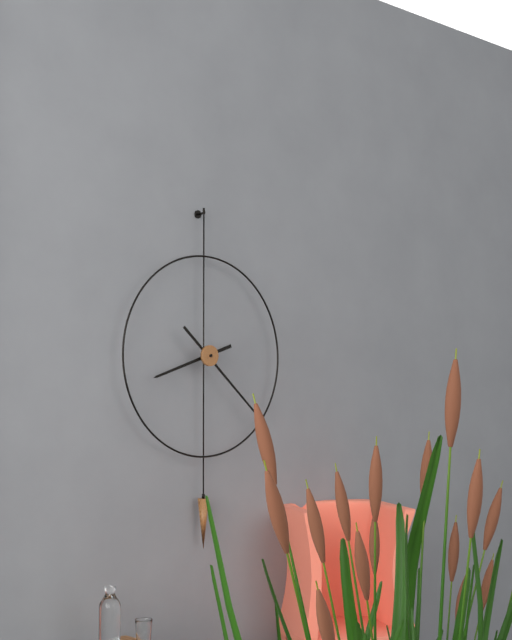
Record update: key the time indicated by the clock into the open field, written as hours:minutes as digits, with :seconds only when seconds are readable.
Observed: 8:22
